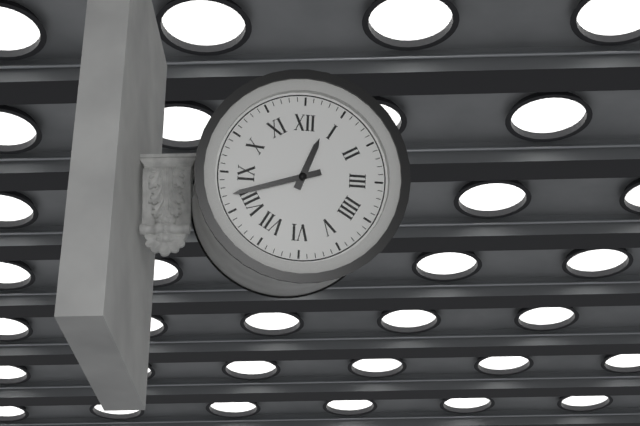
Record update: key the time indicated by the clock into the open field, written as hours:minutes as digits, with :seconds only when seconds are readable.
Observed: 12:42
